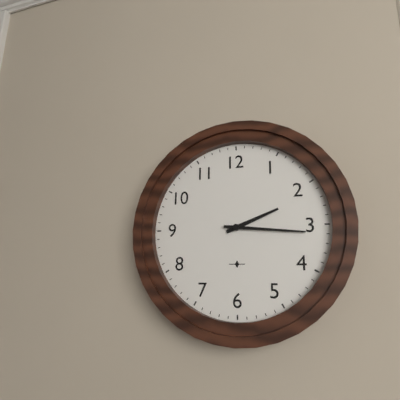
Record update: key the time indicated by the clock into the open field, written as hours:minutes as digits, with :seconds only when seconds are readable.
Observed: 2:16
